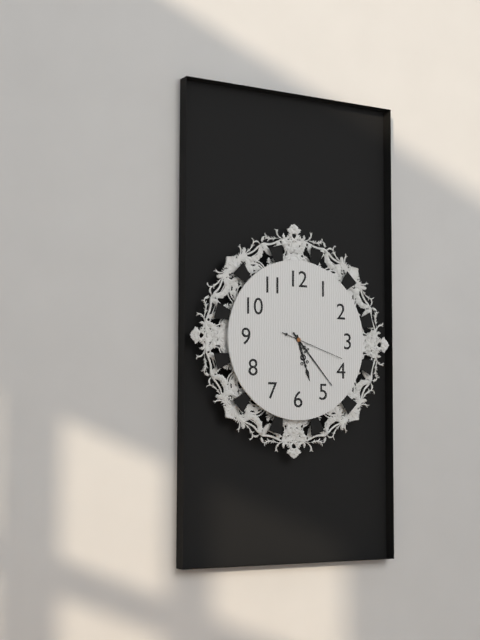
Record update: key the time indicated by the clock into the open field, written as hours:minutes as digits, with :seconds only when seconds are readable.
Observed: 5:23:18
